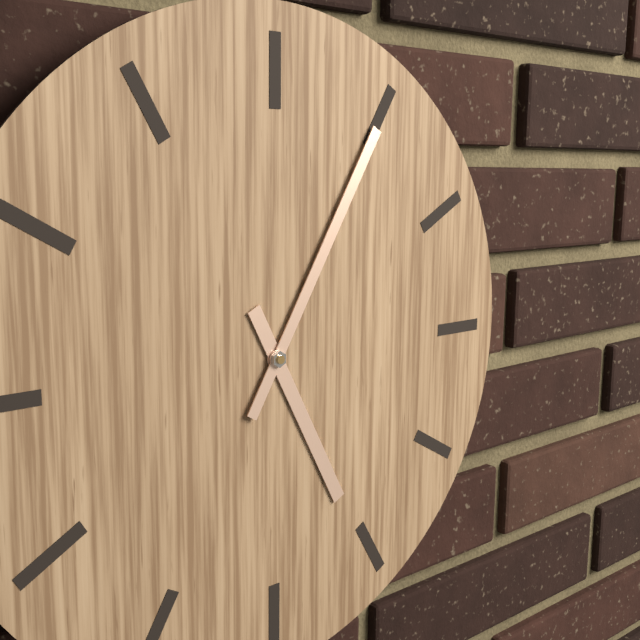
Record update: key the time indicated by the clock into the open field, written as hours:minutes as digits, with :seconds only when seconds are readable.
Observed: 5:05
